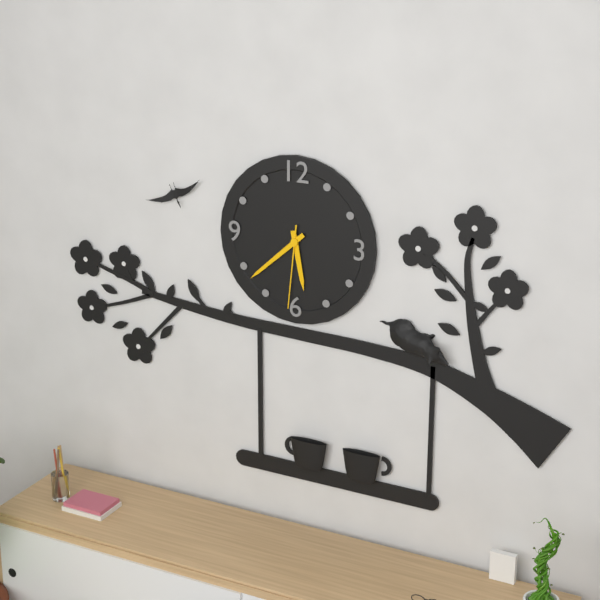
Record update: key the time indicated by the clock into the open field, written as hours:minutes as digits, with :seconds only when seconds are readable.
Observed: 5:38:31
